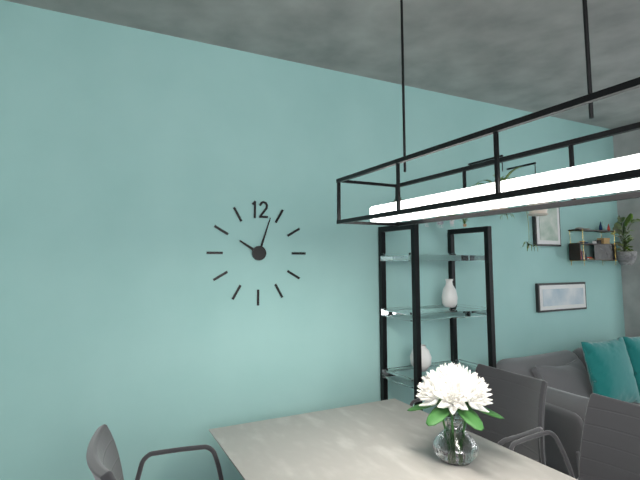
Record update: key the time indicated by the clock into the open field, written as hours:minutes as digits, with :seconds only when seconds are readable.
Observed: 10:03
